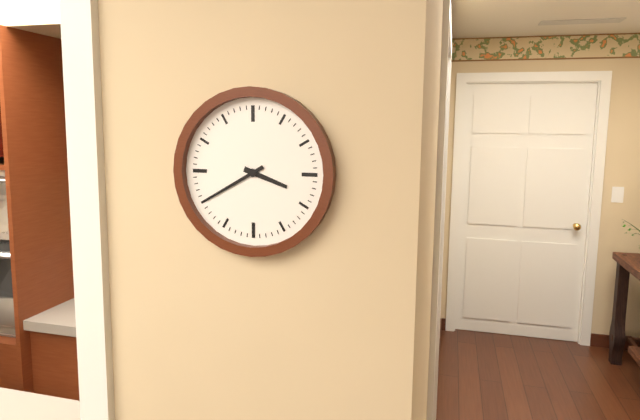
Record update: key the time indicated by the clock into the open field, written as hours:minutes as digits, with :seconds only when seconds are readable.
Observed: 3:40
